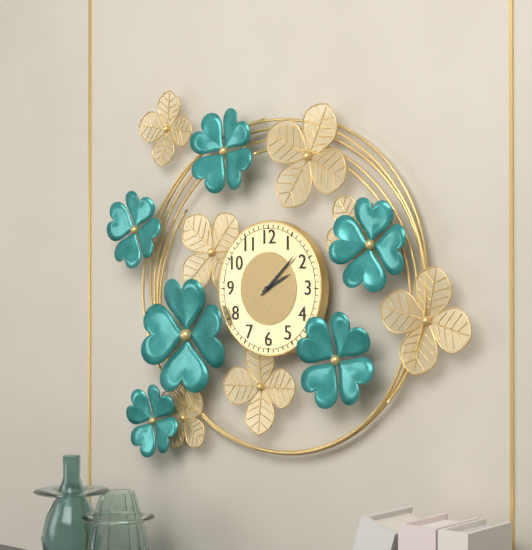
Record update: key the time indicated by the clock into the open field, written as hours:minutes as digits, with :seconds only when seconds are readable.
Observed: 2:08
